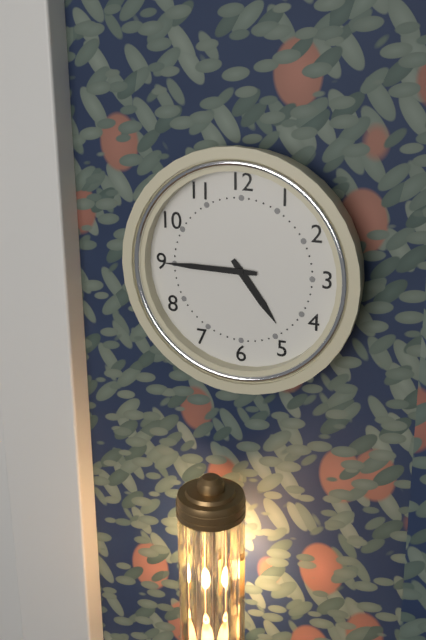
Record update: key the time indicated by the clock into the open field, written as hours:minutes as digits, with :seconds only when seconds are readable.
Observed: 4:45
